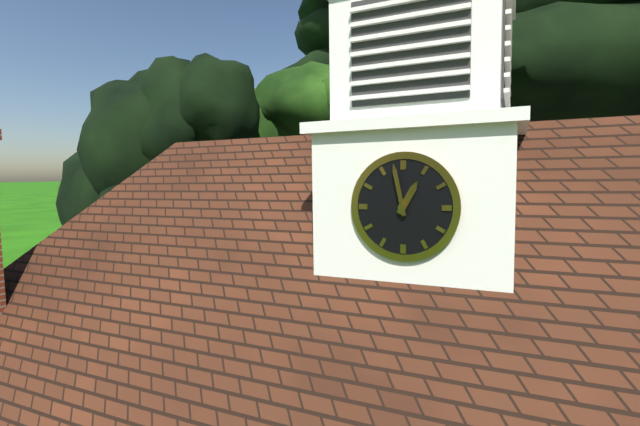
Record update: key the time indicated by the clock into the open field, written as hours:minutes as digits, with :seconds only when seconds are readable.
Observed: 12:58
